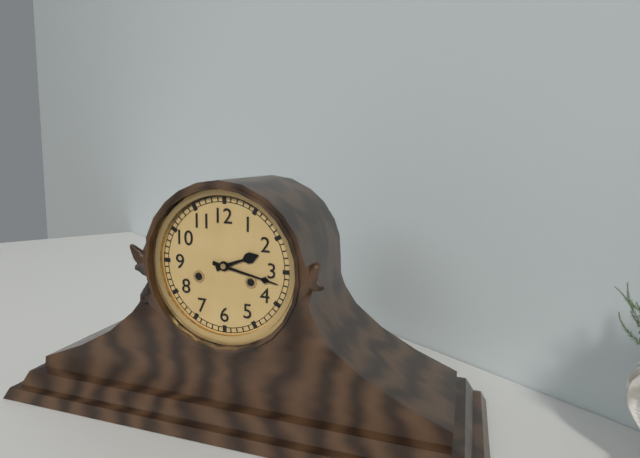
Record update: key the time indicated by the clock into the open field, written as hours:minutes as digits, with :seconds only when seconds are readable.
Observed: 2:17
